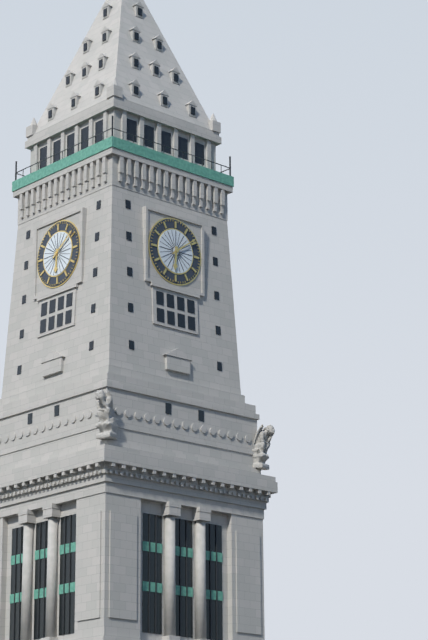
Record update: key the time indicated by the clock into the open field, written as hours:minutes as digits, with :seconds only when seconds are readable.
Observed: 6:09
